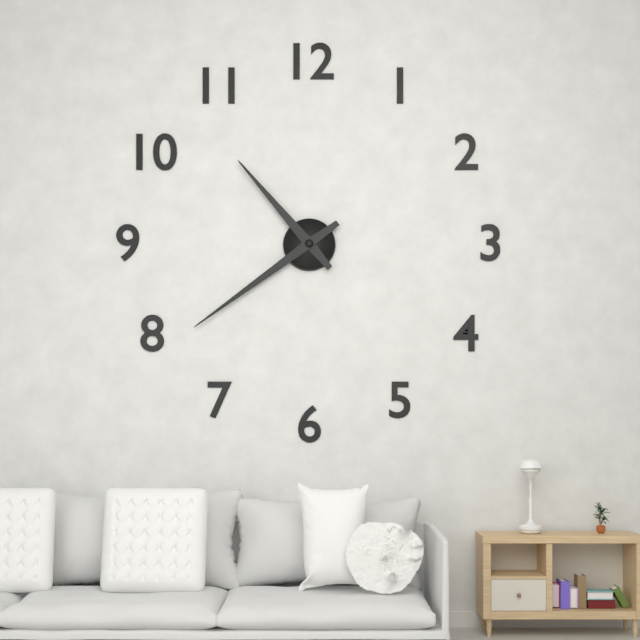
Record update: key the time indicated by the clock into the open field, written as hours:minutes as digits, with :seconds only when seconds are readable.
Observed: 10:39
